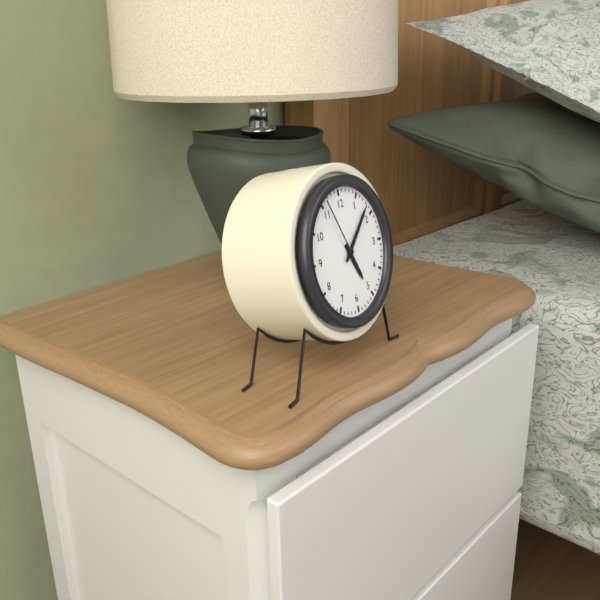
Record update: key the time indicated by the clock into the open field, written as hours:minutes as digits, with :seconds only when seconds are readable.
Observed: 5:08:56
